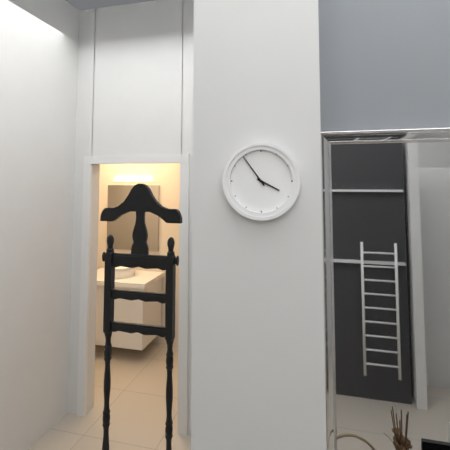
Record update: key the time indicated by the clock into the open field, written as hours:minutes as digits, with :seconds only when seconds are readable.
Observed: 3:54
